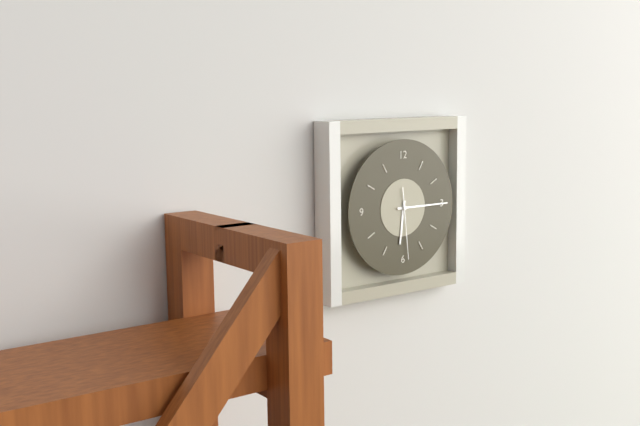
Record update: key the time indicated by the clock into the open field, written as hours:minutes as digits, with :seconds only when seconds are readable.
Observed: 6:15:29
